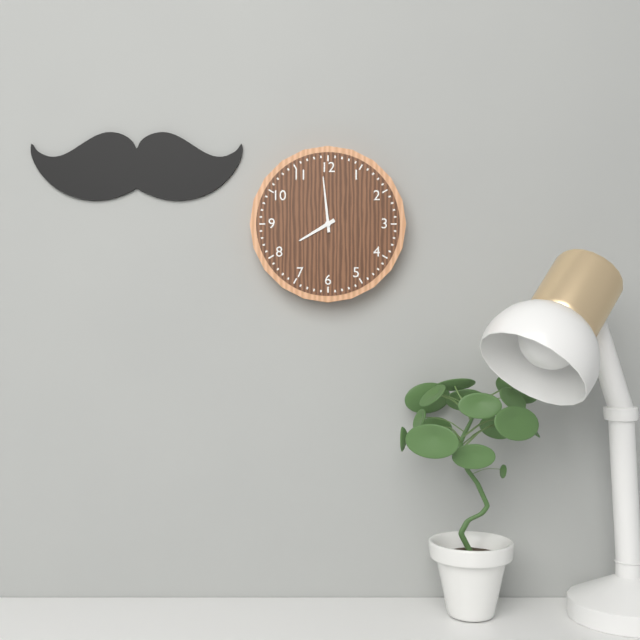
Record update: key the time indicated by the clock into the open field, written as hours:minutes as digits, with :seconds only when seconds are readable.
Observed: 7:59
